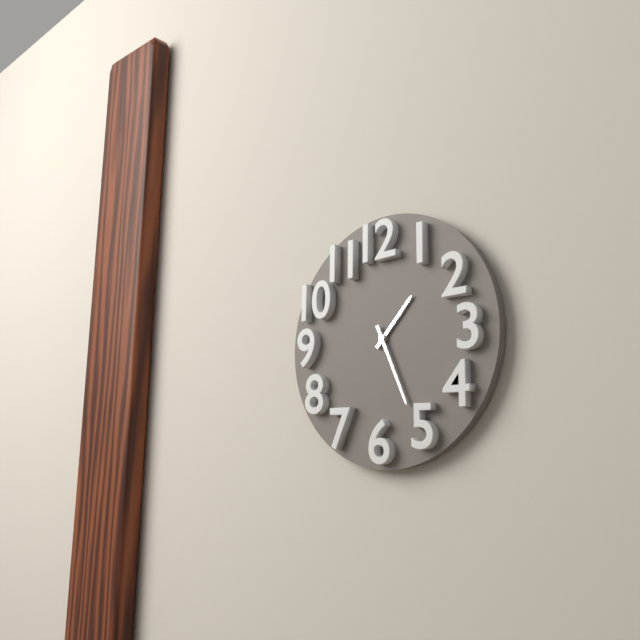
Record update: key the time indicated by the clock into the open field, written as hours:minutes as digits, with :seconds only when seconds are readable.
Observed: 1:26
